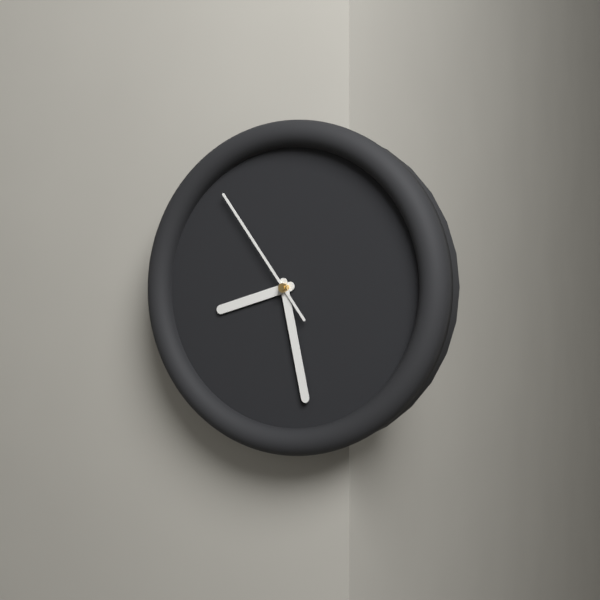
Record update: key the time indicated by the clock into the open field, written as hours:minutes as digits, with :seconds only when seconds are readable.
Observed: 8:28:54
